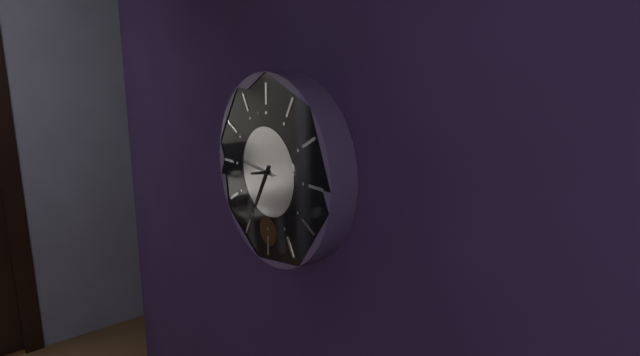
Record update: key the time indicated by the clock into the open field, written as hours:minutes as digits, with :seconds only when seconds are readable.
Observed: 8:35:46
